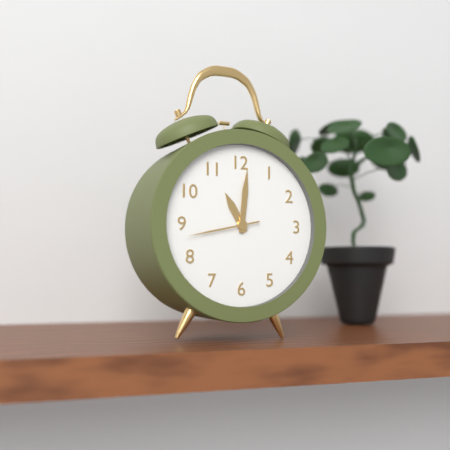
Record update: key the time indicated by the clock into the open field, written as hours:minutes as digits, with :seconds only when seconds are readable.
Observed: 11:01:43
